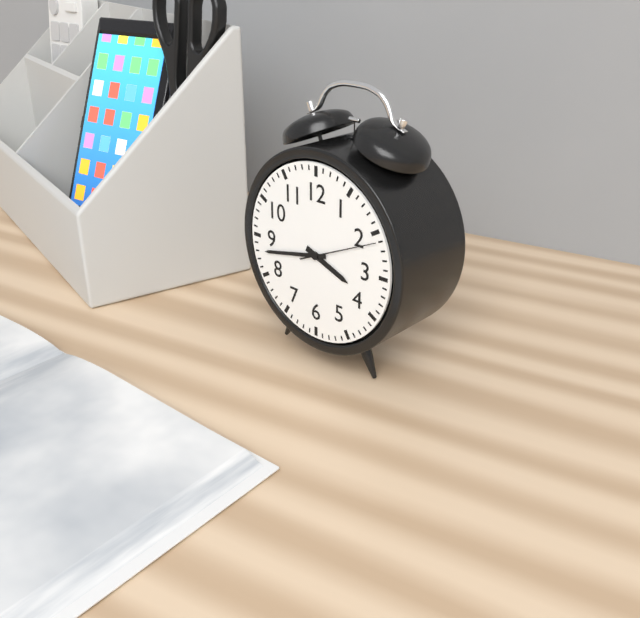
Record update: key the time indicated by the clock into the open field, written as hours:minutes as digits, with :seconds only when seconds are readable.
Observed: 3:43:11
